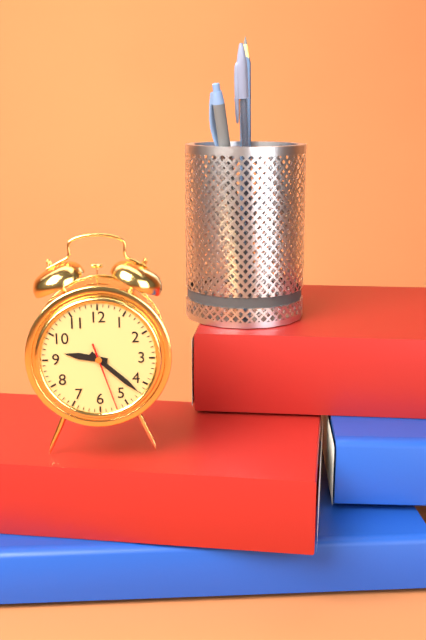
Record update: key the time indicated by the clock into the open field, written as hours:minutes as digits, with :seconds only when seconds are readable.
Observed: 9:22:27
